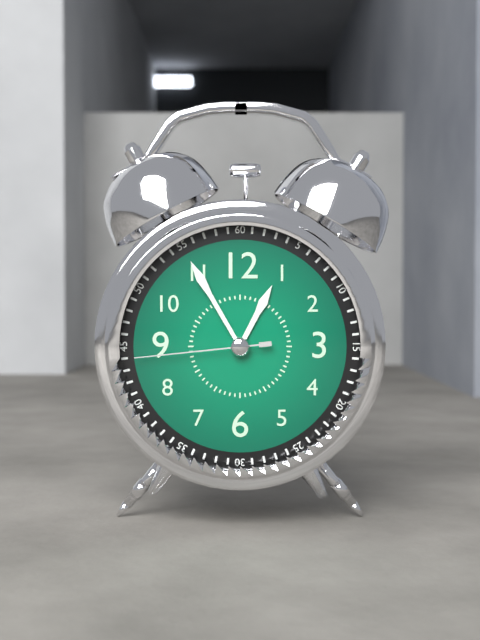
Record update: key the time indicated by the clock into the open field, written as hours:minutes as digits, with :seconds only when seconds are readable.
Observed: 12:55:44
